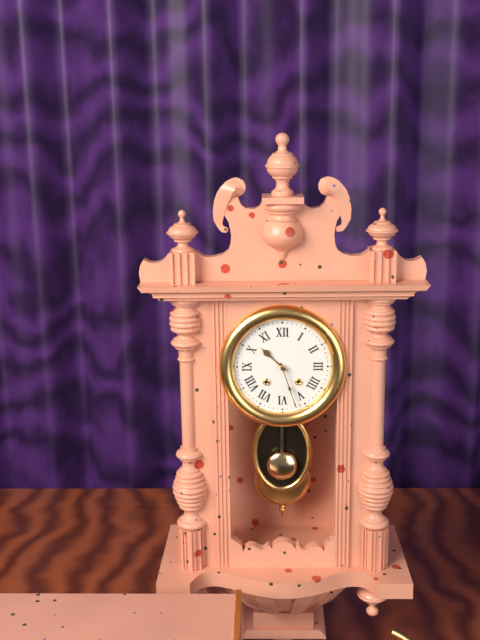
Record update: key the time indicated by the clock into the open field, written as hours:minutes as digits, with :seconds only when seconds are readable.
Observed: 10:27
